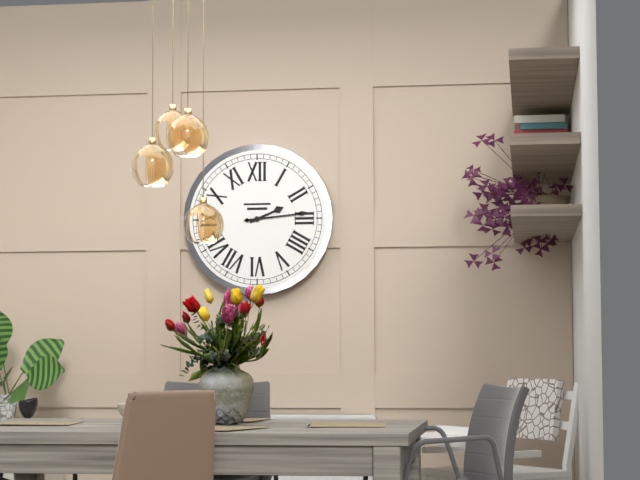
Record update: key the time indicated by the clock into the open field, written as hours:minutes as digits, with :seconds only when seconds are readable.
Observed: 2:14
